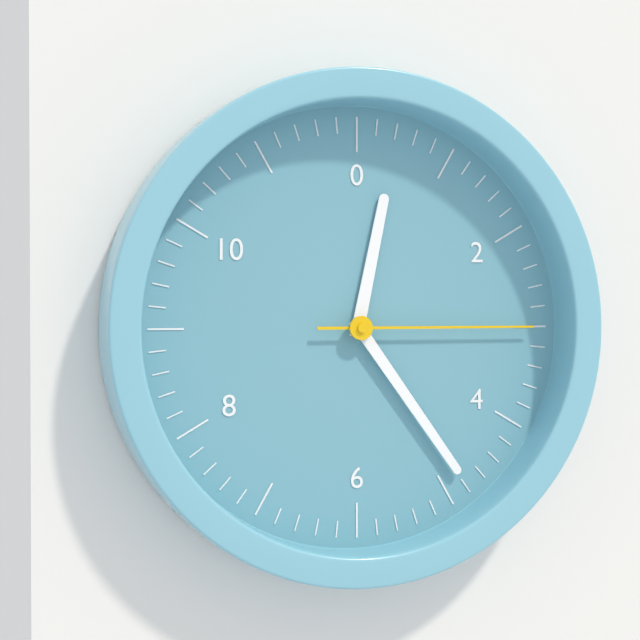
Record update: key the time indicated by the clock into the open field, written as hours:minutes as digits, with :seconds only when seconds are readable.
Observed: 12:24:15
